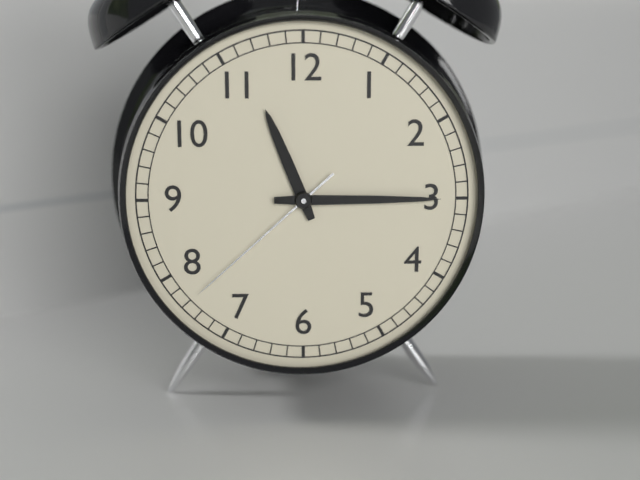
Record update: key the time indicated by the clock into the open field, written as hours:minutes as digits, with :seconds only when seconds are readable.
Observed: 11:15:38
